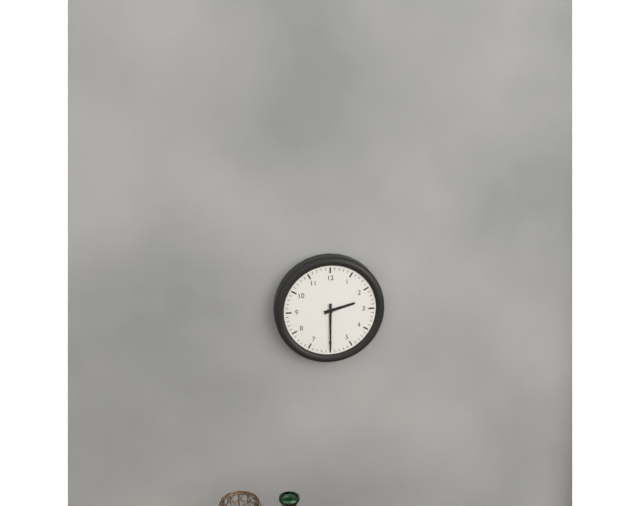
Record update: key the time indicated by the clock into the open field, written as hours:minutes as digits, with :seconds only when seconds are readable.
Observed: 2:30
